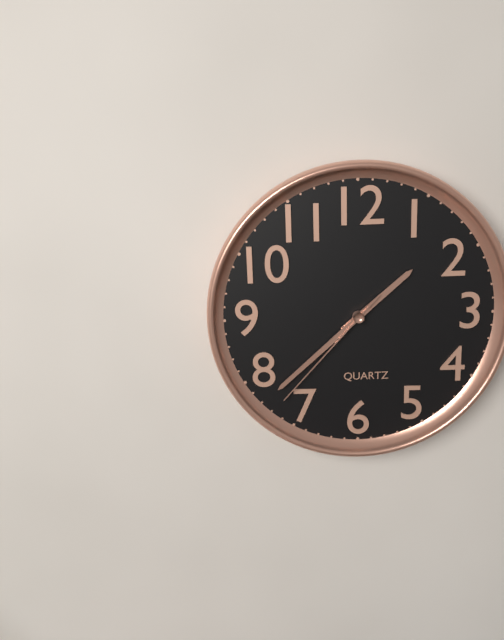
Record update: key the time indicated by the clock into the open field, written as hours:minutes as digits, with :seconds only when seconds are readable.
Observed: 1:38:37
